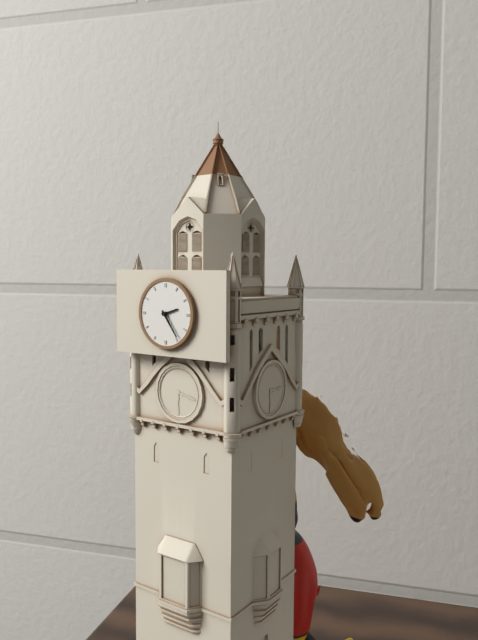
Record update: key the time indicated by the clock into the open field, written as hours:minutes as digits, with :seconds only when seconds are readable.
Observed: 2:24
